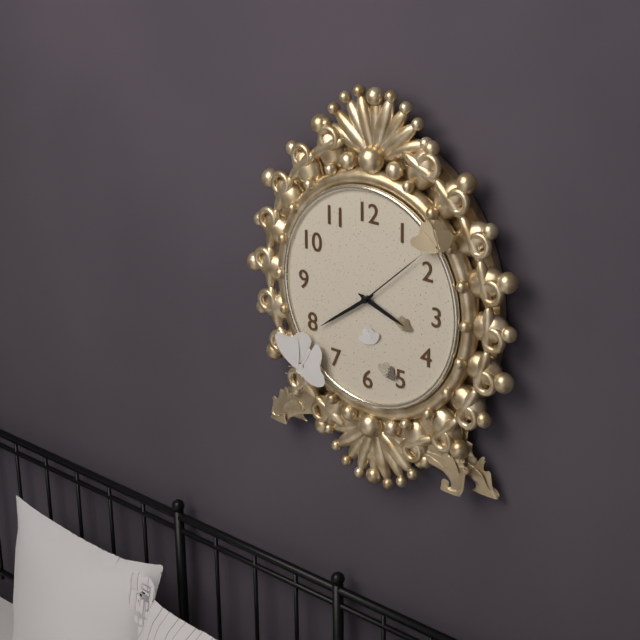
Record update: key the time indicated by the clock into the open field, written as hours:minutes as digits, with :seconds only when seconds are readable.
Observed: 3:39:08
